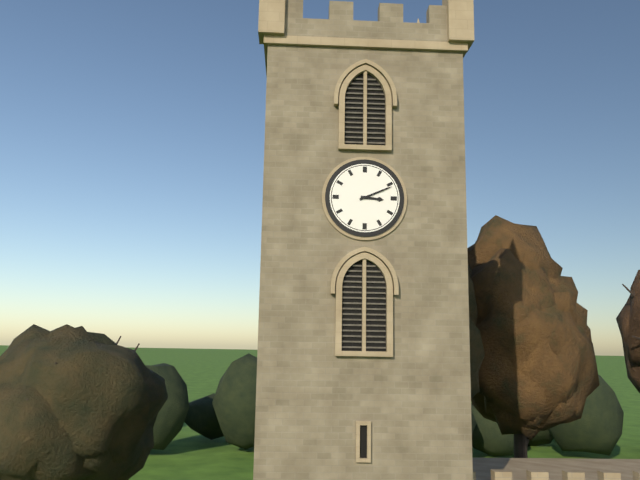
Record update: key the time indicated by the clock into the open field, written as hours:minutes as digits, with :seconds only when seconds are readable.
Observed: 3:11
